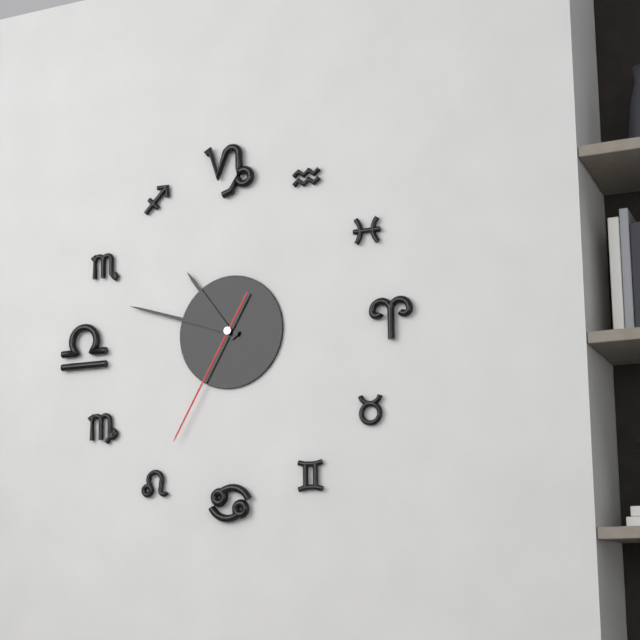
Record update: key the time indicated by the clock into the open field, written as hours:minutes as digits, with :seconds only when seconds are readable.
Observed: 10:48:35
